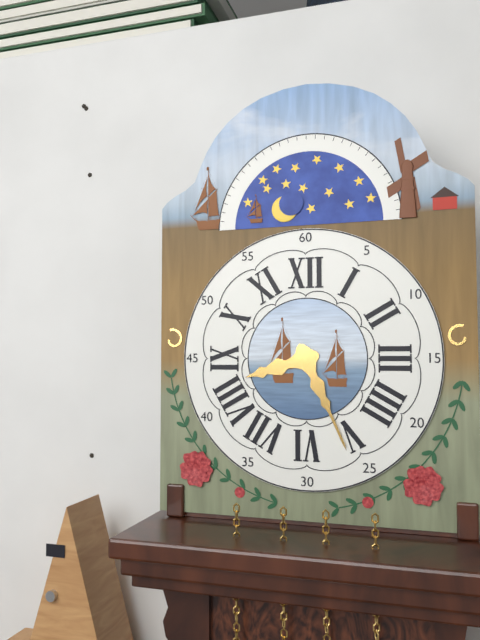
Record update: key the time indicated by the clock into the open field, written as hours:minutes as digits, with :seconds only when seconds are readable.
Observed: 8:26
